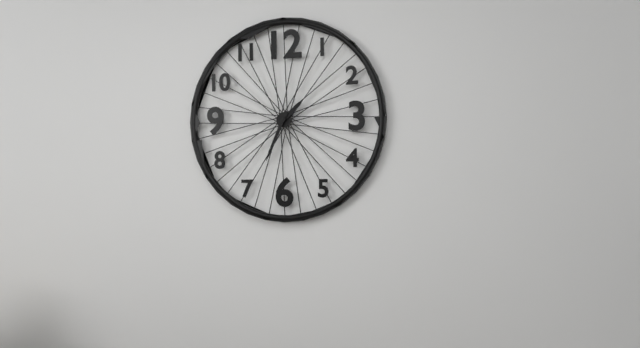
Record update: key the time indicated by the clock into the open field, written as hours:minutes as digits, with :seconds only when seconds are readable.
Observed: 1:34
